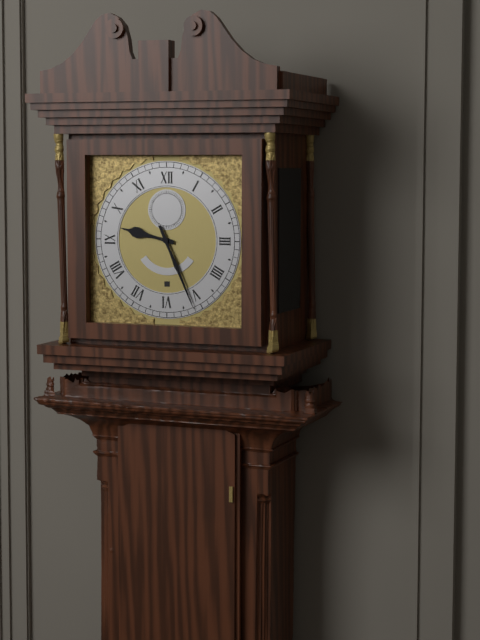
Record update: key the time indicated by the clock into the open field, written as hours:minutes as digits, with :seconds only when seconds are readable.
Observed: 9:26
